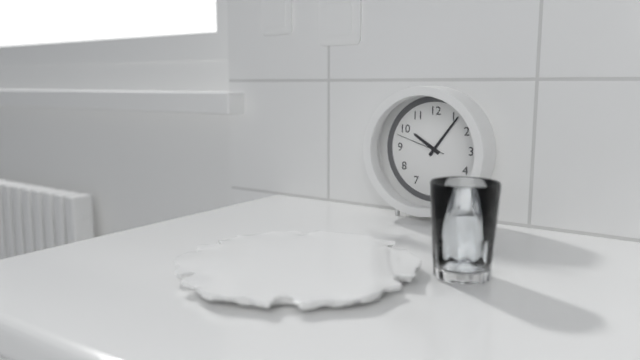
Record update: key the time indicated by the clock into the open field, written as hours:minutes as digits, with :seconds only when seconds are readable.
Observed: 10:06
